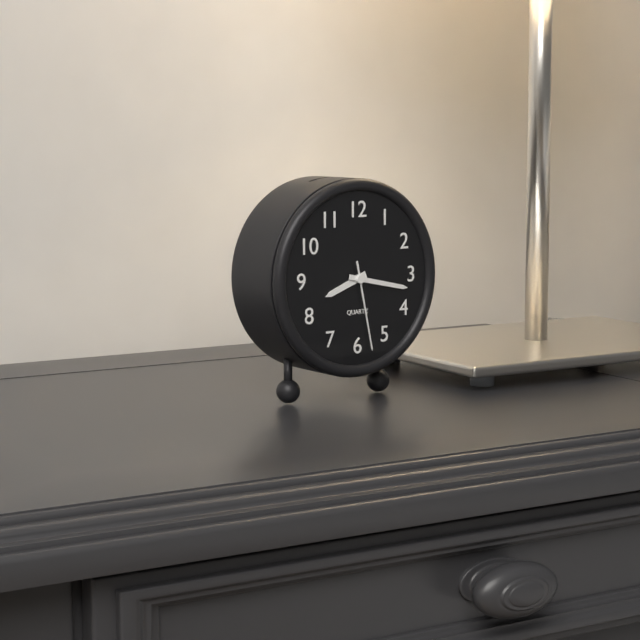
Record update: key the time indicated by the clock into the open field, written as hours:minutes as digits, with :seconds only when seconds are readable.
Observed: 8:17:28
